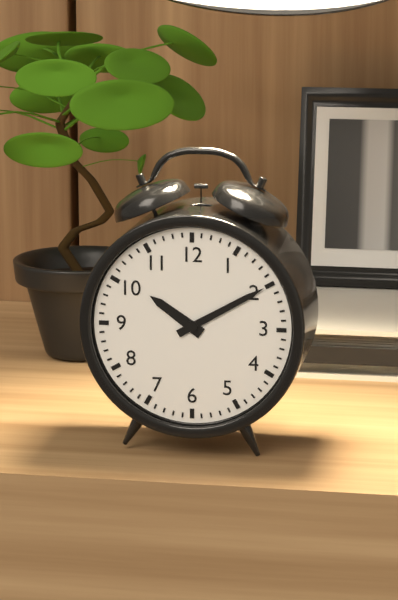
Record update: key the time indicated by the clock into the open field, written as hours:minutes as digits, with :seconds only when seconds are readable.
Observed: 10:10
